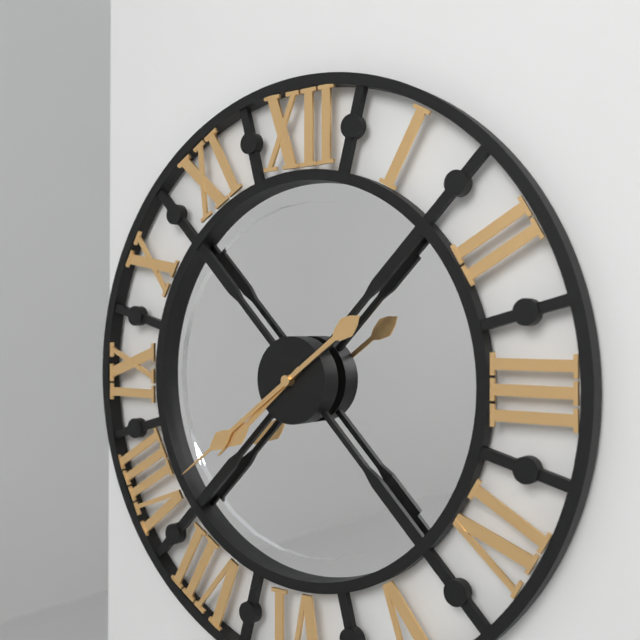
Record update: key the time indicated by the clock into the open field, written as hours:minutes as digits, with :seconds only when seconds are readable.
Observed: 7:39
